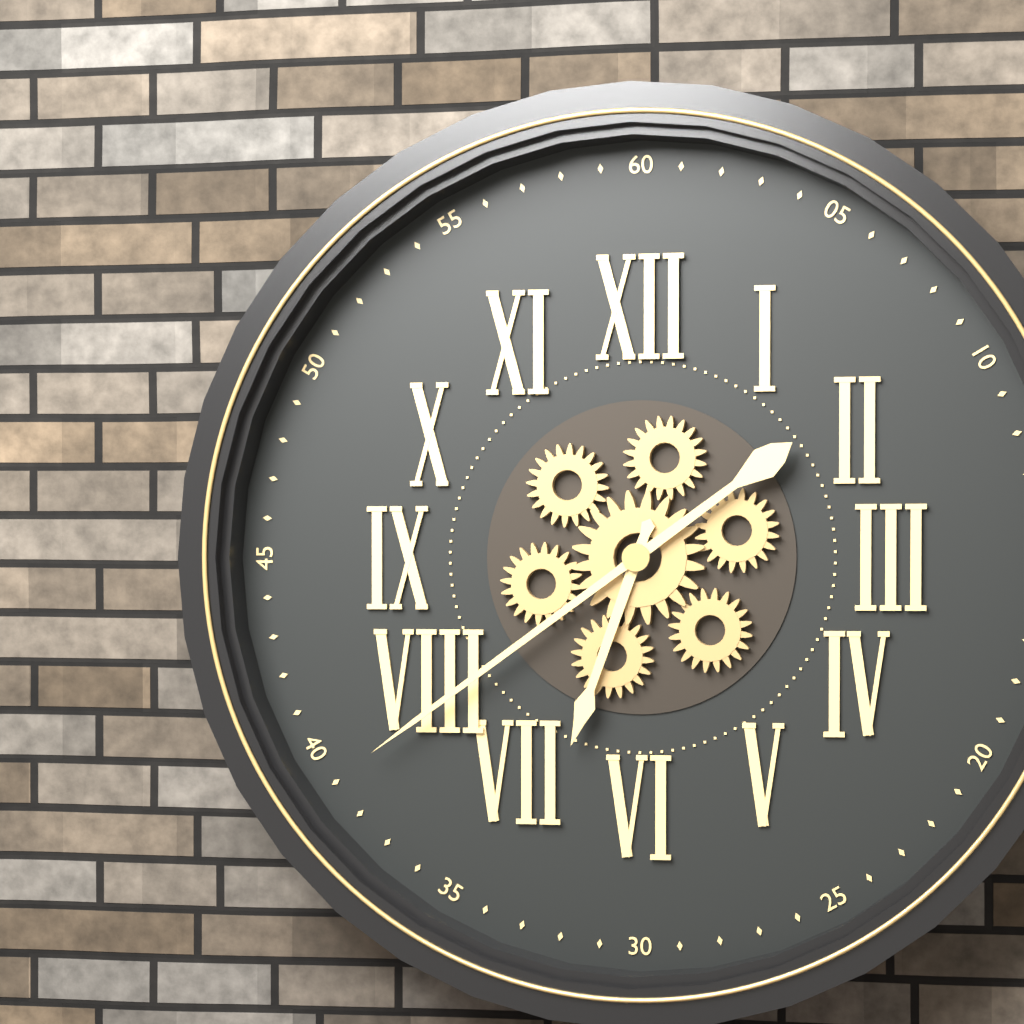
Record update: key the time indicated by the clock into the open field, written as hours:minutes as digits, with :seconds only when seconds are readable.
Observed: 6:39
